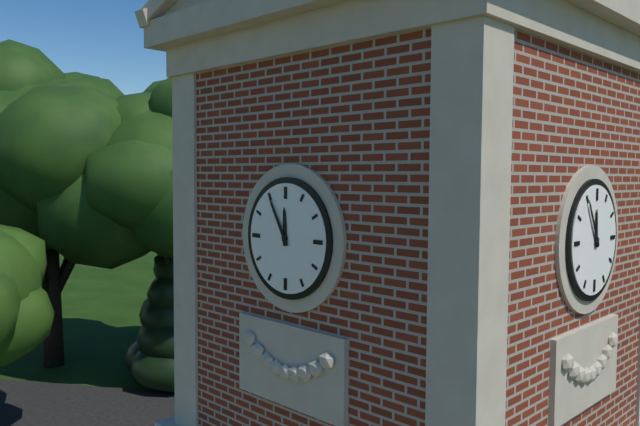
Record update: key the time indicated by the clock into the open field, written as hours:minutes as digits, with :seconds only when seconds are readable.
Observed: 11:55
